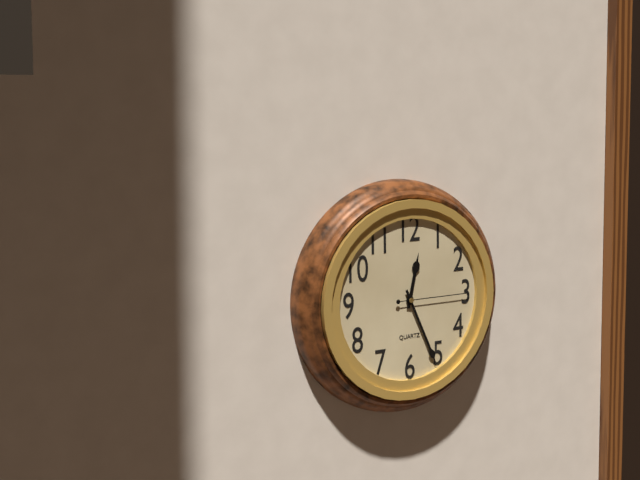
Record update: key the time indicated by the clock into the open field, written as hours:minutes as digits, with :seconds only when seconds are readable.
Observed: 12:26:15
